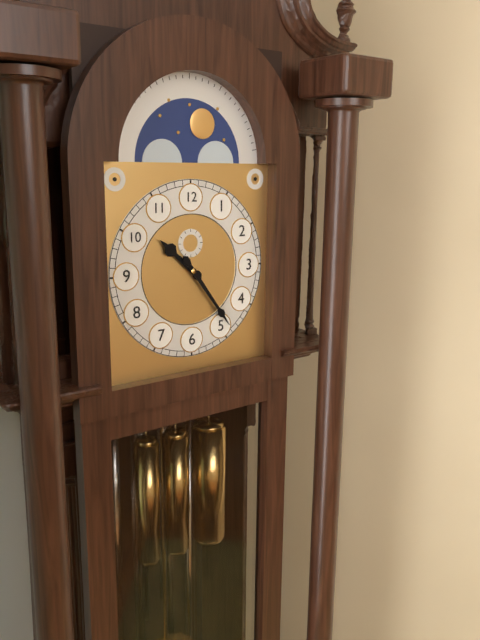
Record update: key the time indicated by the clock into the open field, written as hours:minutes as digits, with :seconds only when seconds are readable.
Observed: 10:24
